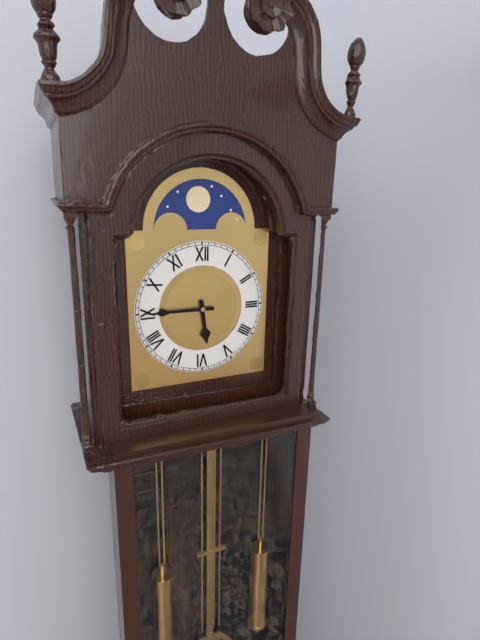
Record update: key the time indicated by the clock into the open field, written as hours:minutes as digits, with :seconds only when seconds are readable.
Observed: 5:45
